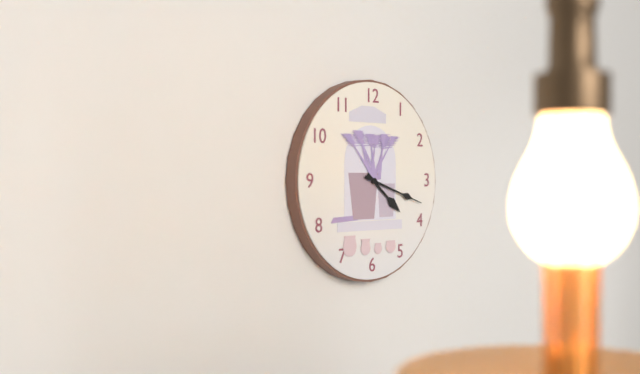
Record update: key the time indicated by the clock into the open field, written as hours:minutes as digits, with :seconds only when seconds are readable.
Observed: 4:18
